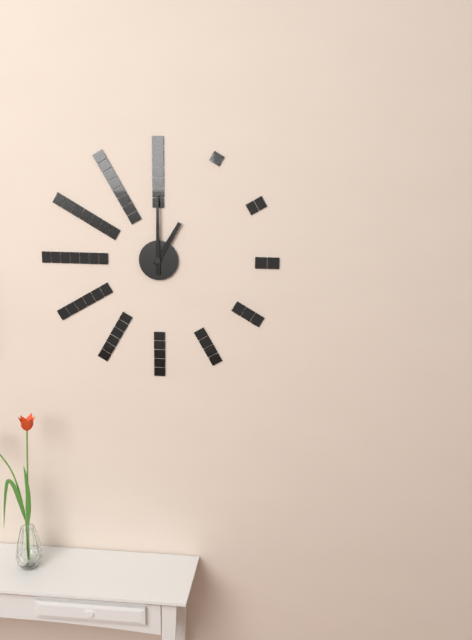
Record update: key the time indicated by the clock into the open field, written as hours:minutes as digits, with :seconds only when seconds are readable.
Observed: 1:00
